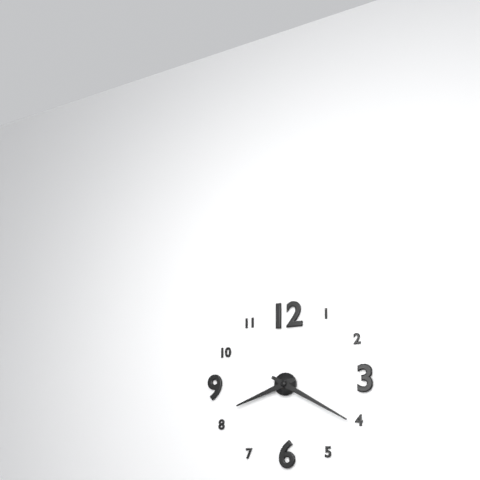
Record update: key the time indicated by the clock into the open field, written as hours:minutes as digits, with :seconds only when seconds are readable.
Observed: 8:20
